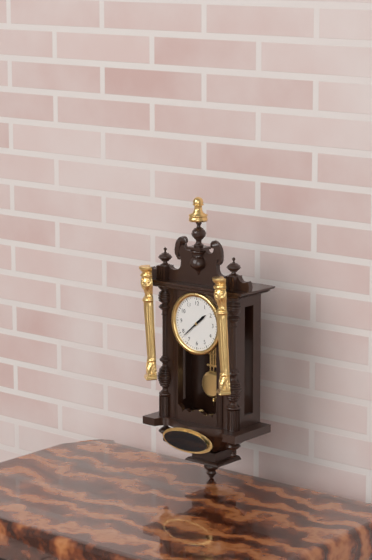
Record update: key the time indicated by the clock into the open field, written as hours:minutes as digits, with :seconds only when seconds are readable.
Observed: 1:38
